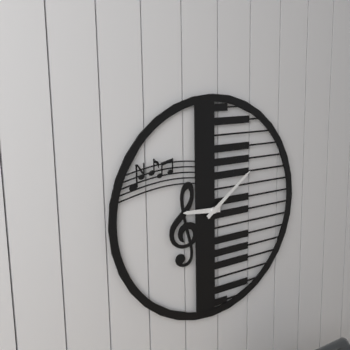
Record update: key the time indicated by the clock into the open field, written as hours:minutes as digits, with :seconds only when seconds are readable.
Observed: 9:09
